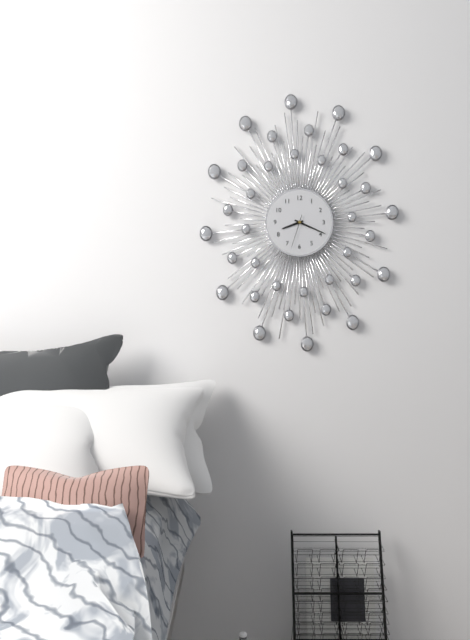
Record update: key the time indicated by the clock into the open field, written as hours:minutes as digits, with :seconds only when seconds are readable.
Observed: 8:19
